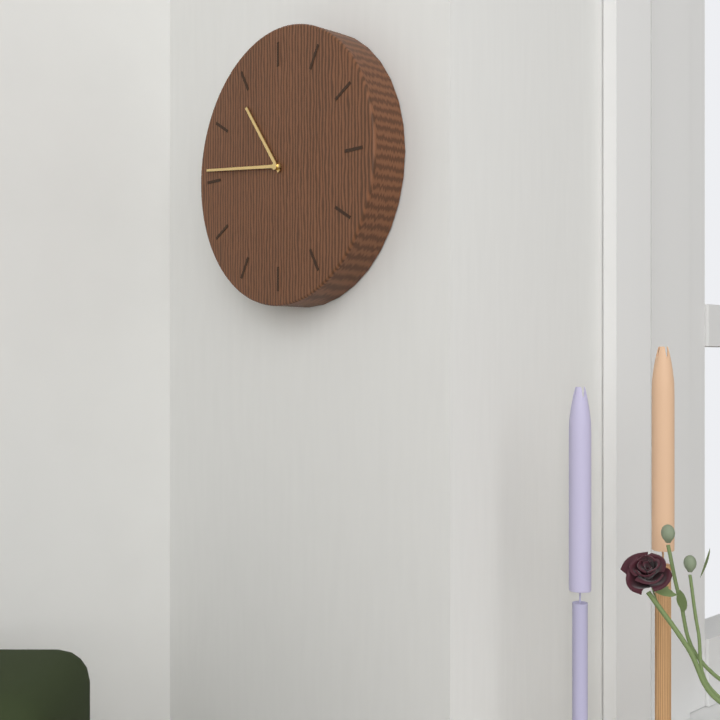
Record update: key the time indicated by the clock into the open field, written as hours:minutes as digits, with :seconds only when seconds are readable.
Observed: 10:46
